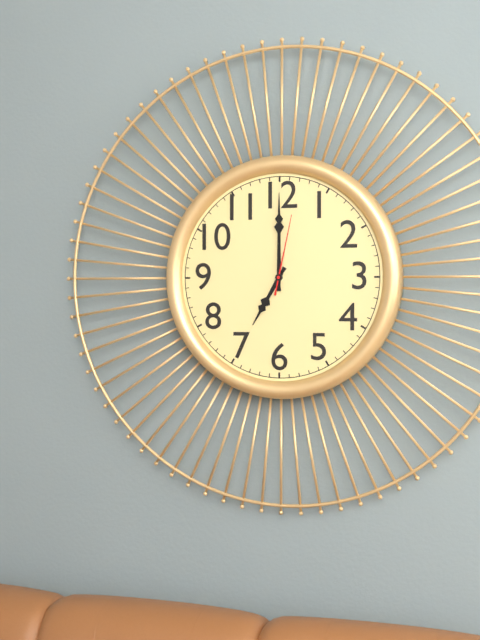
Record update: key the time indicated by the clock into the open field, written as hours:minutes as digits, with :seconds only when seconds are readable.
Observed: 7:00:02
